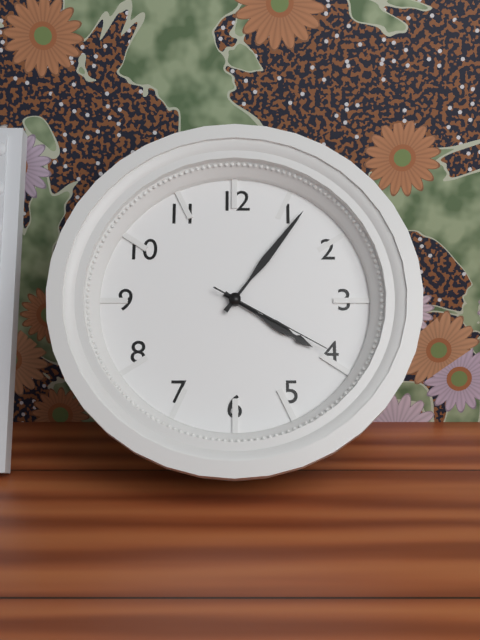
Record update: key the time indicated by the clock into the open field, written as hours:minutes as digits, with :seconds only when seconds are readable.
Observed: 4:06:20
